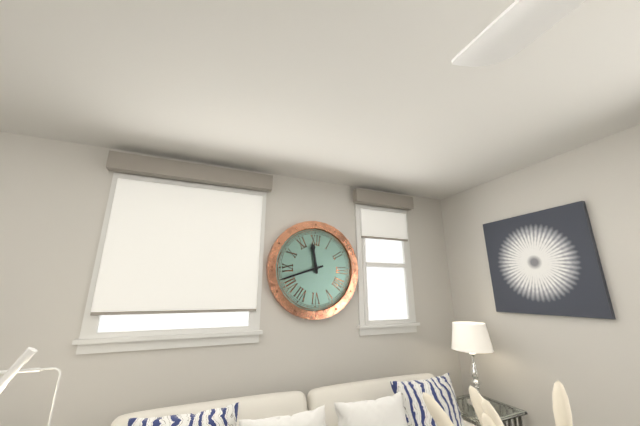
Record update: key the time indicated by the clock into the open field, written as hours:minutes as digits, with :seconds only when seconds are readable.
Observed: 11:42
